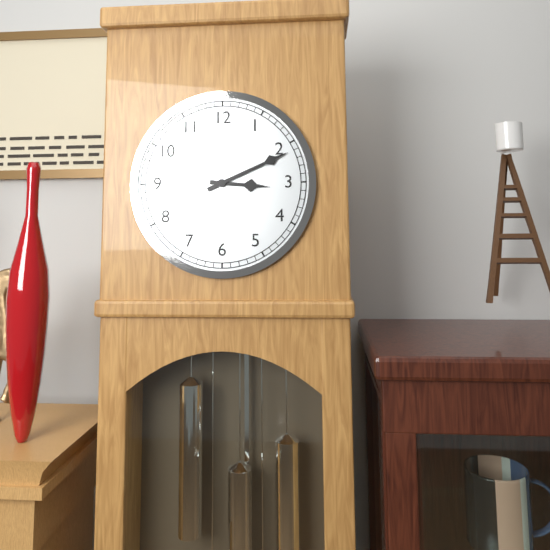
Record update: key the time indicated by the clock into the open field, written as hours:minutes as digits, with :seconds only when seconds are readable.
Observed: 3:11
